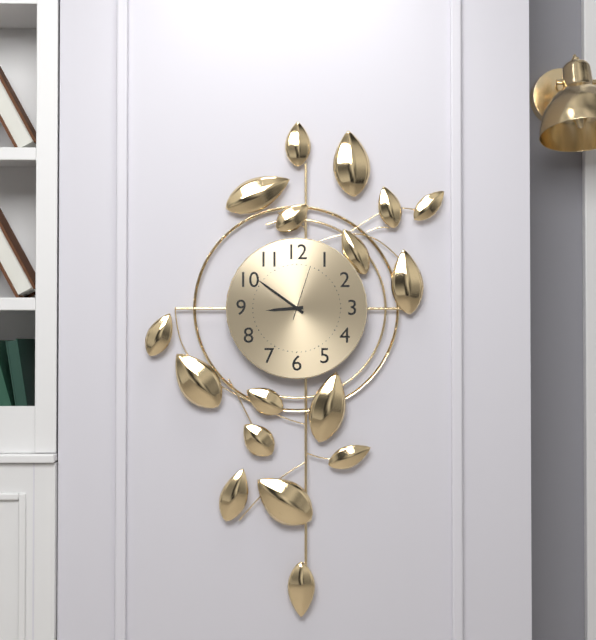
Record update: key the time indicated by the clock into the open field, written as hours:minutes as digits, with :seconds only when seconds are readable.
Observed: 8:51:03
